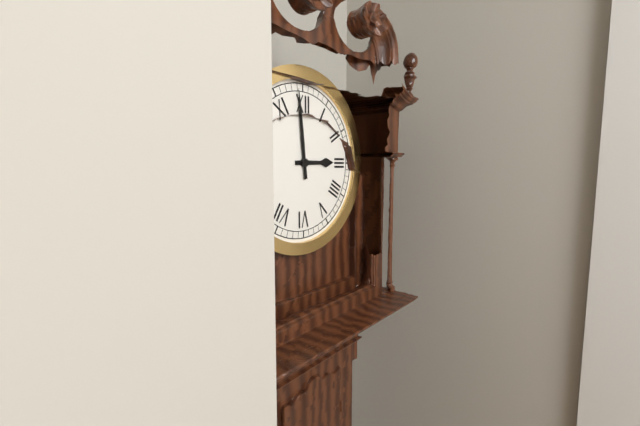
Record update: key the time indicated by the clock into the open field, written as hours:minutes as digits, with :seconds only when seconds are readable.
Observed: 2:59
